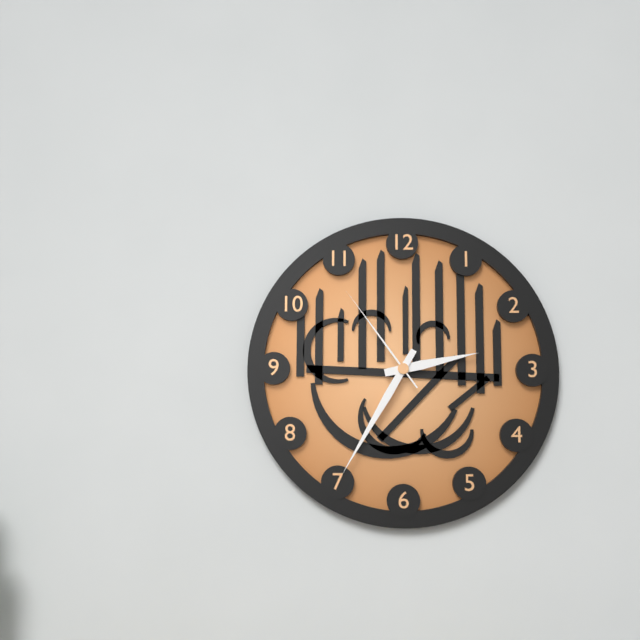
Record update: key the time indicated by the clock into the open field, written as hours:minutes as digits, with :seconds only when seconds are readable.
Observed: 2:35:54
